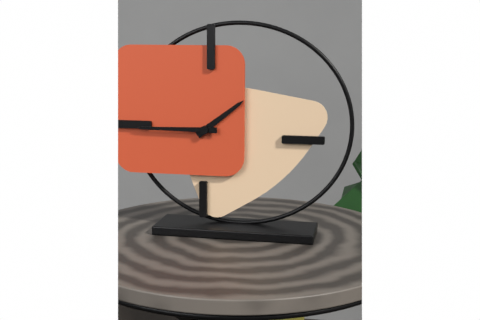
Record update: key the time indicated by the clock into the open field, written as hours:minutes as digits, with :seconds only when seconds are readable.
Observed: 1:45
